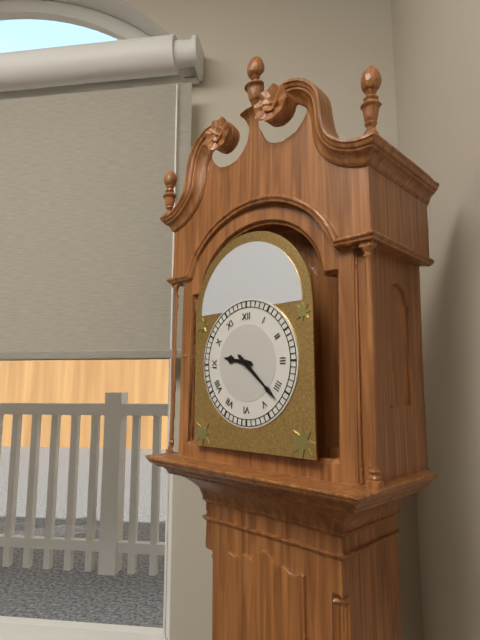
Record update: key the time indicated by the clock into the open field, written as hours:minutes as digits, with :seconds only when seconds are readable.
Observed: 9:22
